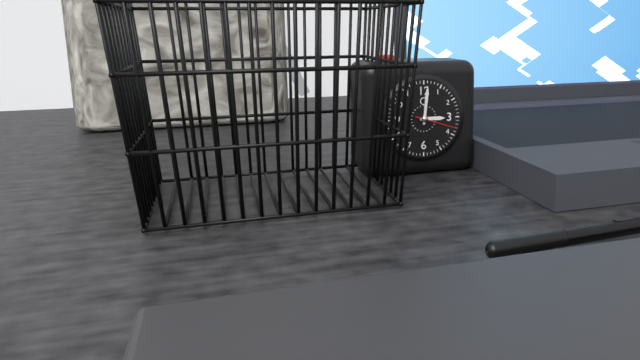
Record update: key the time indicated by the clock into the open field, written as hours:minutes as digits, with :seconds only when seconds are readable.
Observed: 3:01
